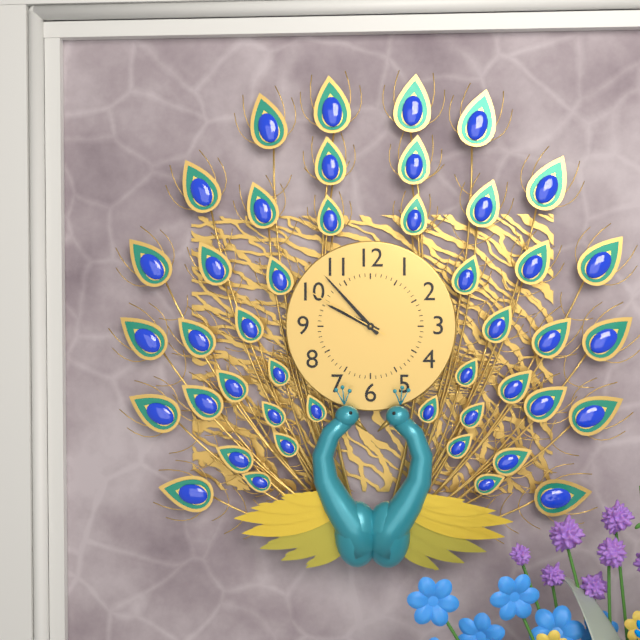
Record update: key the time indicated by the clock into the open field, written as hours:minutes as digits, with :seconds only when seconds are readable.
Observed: 9:53:50
